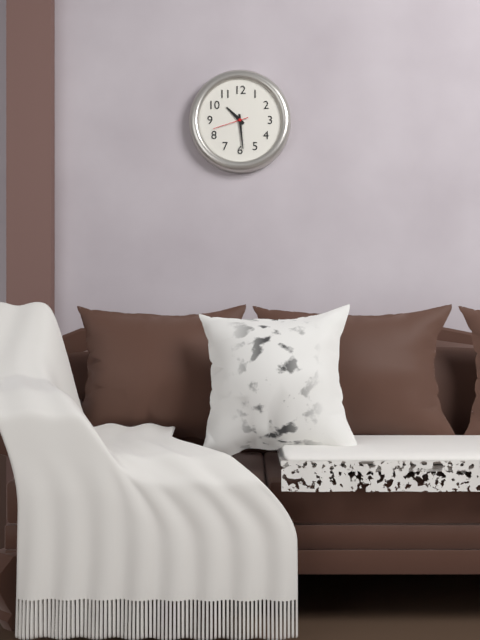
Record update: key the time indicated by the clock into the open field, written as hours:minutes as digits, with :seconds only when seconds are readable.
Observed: 10:29
